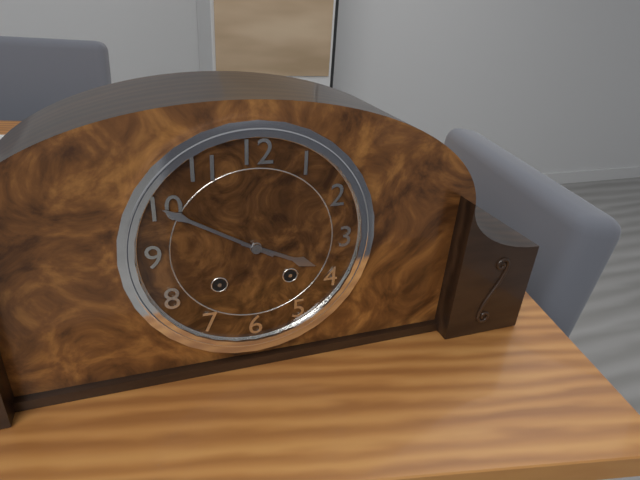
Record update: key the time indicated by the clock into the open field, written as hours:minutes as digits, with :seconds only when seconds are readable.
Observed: 3:50
